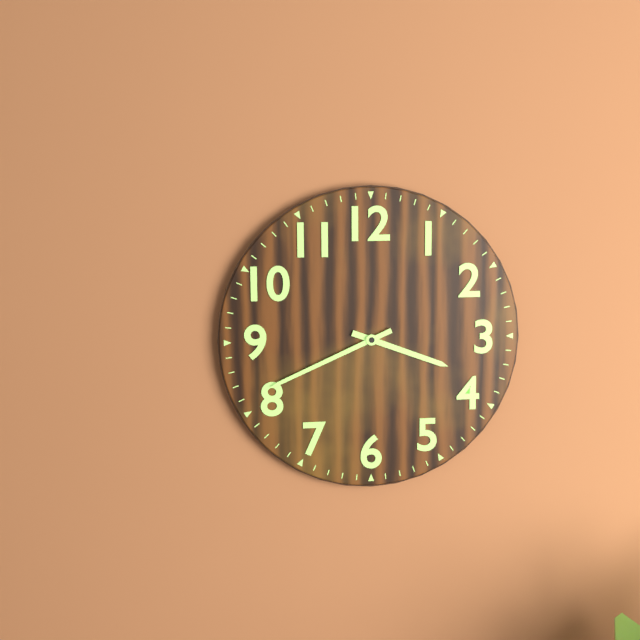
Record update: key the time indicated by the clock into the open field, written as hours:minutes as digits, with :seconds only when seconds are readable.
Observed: 3:41
